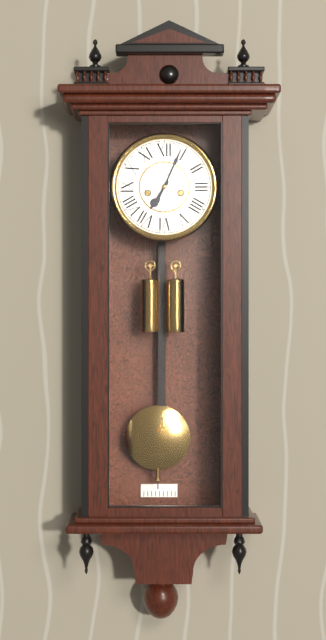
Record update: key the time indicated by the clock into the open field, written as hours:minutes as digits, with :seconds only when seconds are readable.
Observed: 7:04
